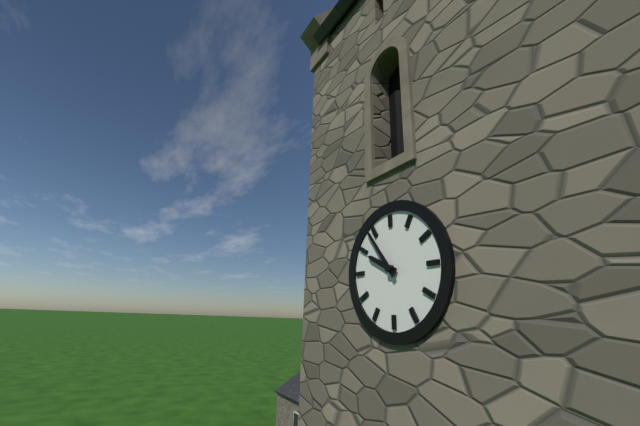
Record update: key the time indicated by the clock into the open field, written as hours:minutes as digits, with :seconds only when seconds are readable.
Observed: 9:54
